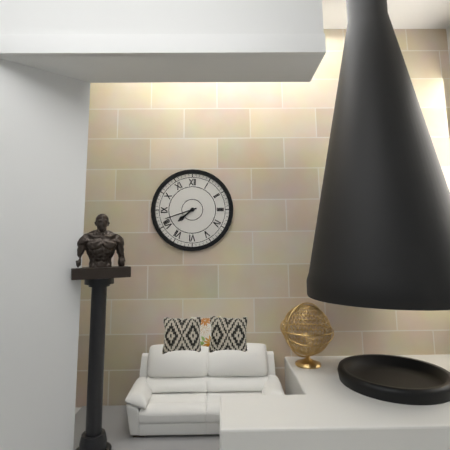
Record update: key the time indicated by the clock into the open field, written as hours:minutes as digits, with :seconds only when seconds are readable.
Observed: 7:42
